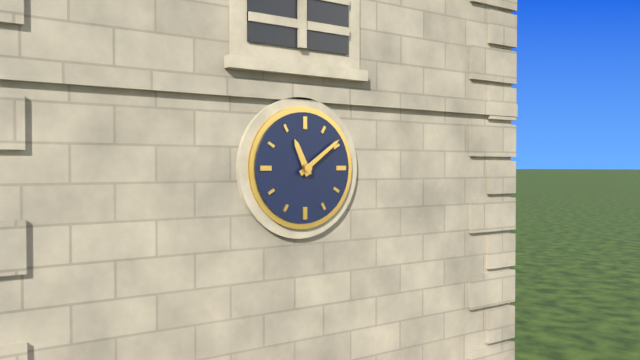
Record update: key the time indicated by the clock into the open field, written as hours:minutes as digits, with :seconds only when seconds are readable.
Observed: 11:09
